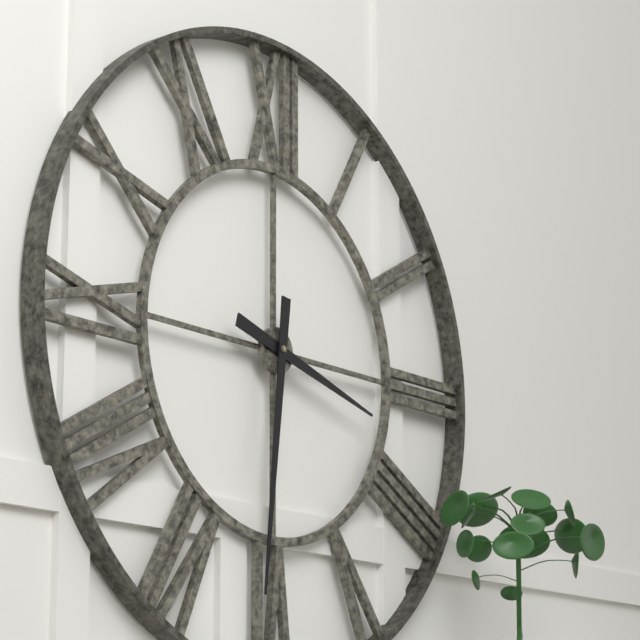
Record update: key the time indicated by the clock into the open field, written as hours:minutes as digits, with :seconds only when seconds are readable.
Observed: 3:31
